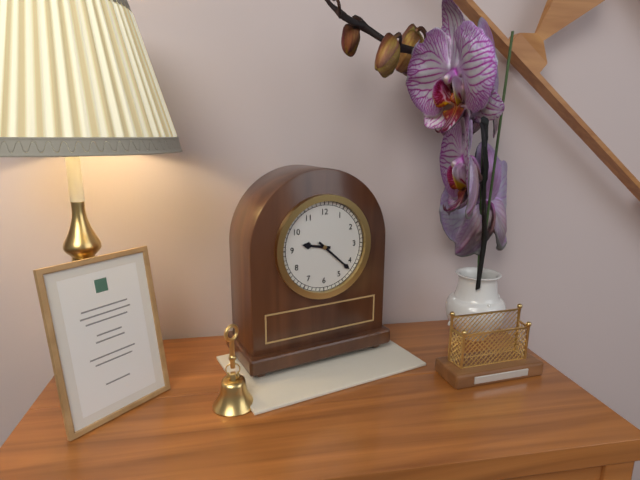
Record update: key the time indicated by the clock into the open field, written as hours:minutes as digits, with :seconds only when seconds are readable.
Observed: 9:22
